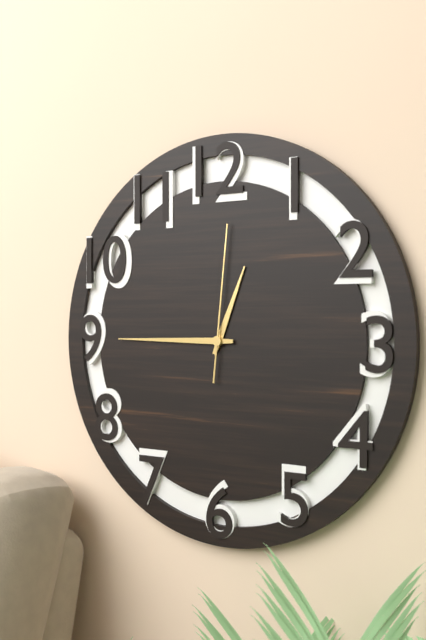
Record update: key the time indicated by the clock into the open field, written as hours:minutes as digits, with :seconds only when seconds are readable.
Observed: 12:45:01
